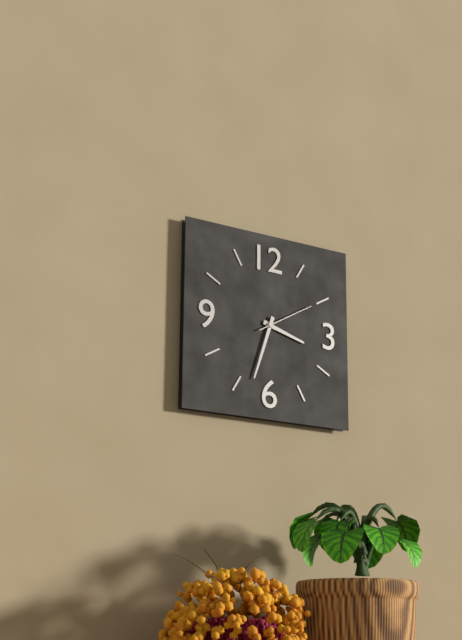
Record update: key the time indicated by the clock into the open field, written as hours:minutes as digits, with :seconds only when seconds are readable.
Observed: 3:33:10
